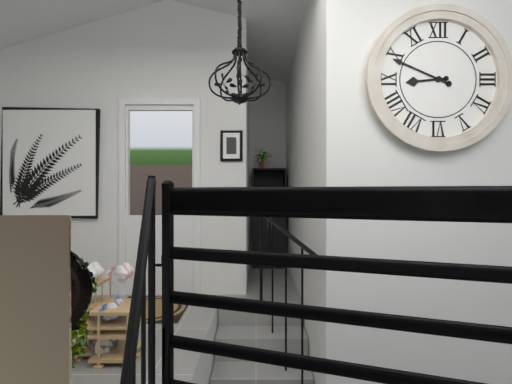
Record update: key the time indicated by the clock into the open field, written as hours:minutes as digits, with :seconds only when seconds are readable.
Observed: 8:49
